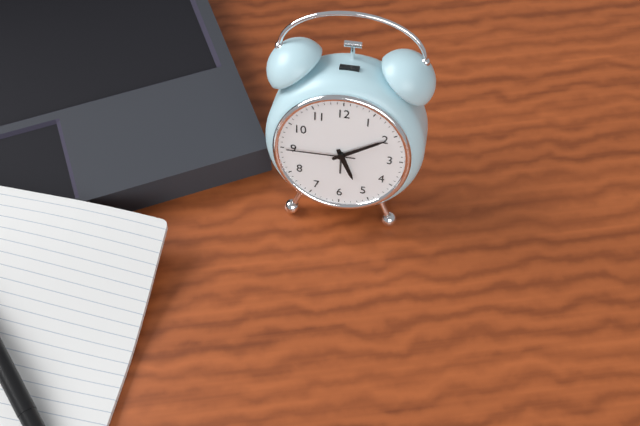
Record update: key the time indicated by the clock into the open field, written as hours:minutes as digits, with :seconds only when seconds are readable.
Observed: 5:10:45
